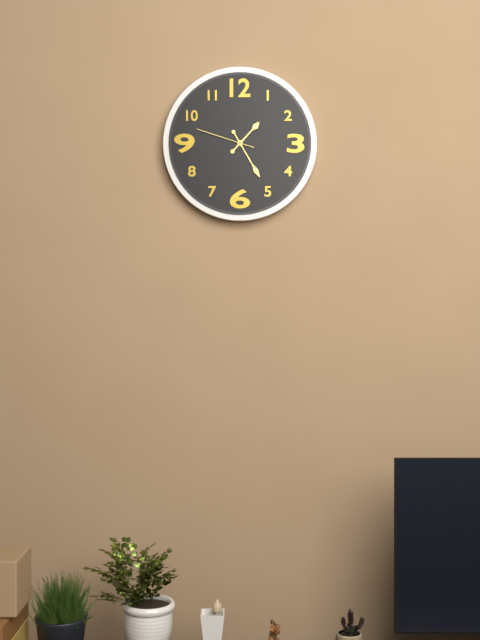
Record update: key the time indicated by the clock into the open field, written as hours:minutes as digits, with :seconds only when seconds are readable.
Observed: 1:25:48
